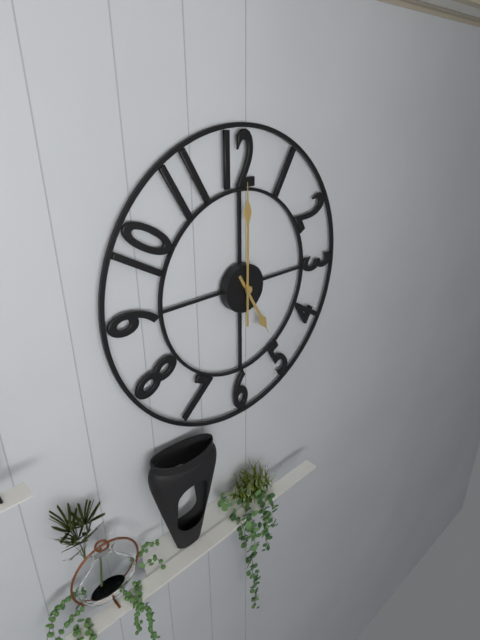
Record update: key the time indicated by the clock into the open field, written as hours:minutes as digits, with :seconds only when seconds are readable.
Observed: 5:00
